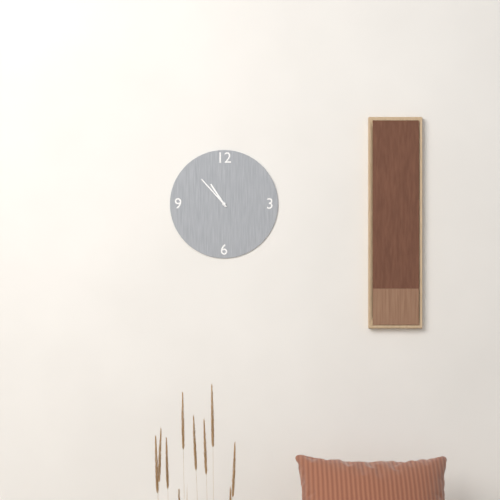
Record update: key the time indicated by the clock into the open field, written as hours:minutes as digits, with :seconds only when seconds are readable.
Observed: 10:53
